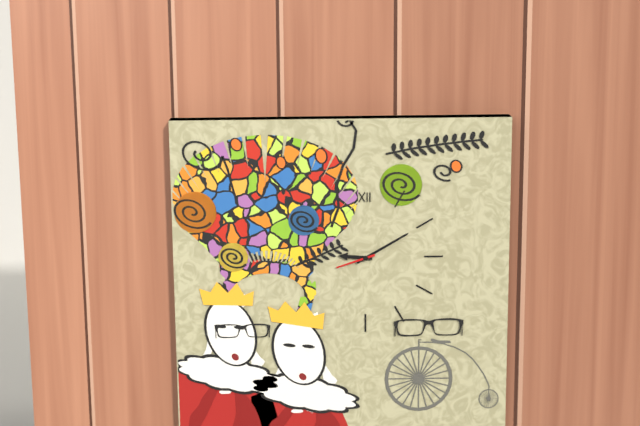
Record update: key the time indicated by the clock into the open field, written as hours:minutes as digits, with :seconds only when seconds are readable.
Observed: 9:10
